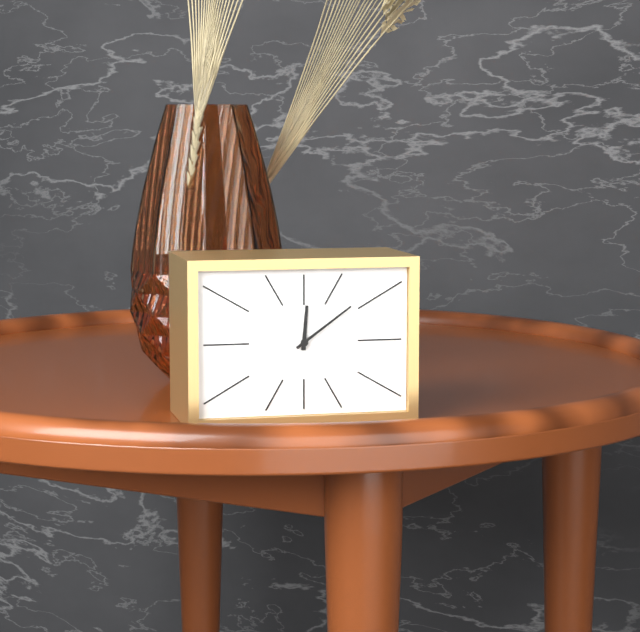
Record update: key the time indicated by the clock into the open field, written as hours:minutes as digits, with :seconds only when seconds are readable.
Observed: 12:09
